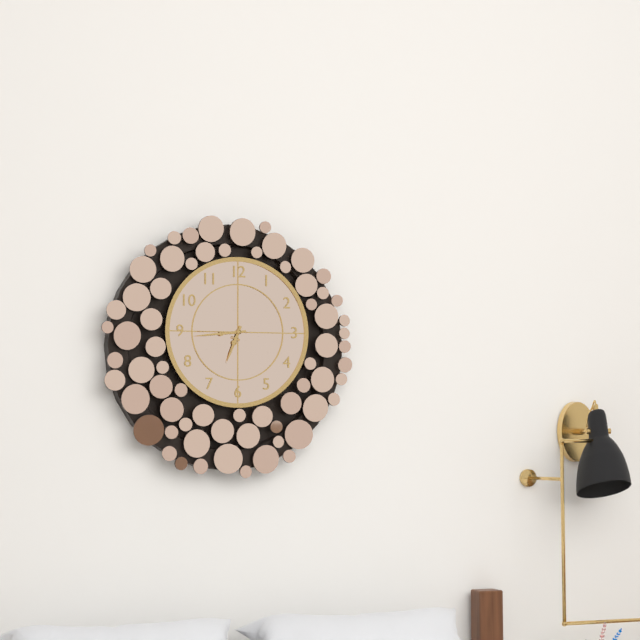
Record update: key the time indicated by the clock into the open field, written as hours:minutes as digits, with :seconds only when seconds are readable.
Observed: 6:44
